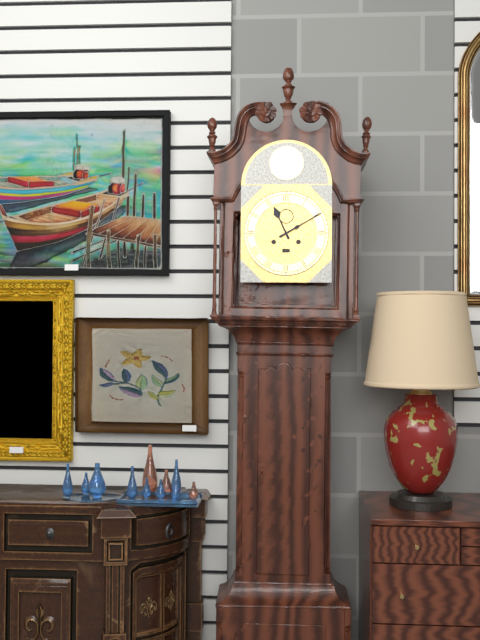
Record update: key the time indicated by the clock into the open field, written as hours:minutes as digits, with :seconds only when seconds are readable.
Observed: 11:10
